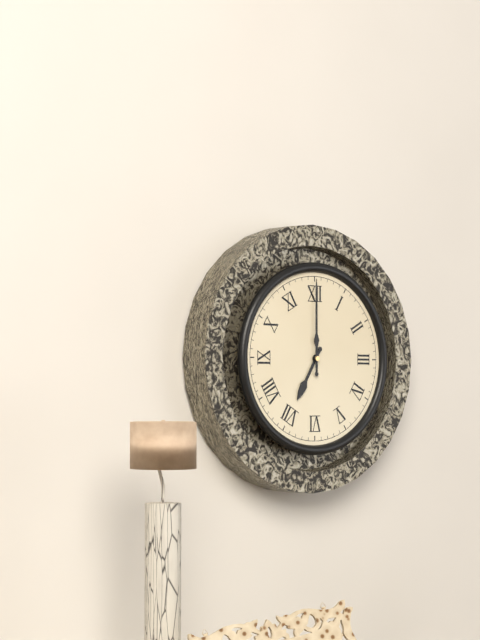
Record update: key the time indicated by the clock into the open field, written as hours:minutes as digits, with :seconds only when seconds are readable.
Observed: 7:00
